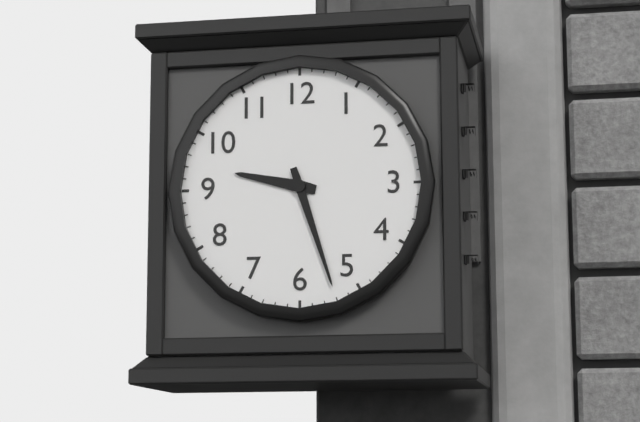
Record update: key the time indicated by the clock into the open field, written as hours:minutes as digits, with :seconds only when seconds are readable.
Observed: 9:27
